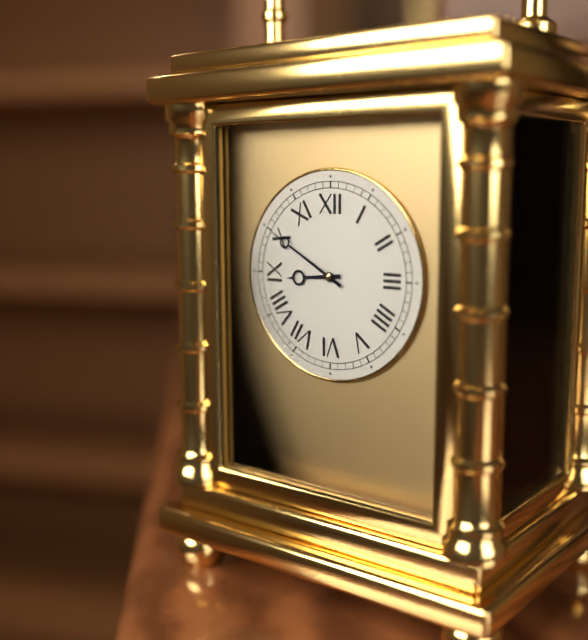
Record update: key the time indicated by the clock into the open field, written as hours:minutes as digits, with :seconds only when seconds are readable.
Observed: 8:50
